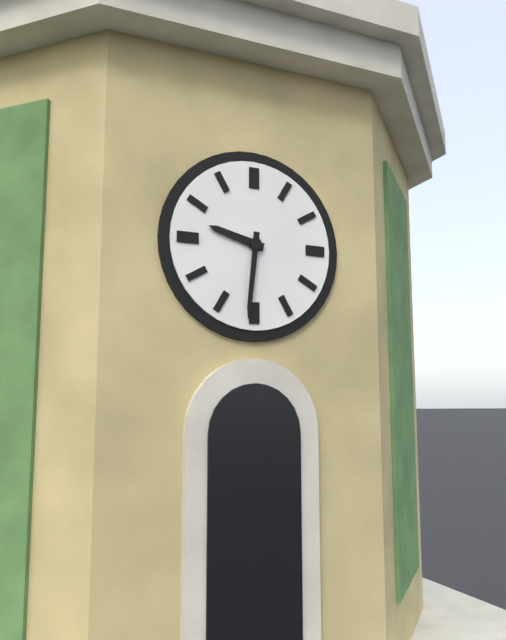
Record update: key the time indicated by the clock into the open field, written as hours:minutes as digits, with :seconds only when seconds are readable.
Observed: 9:31
